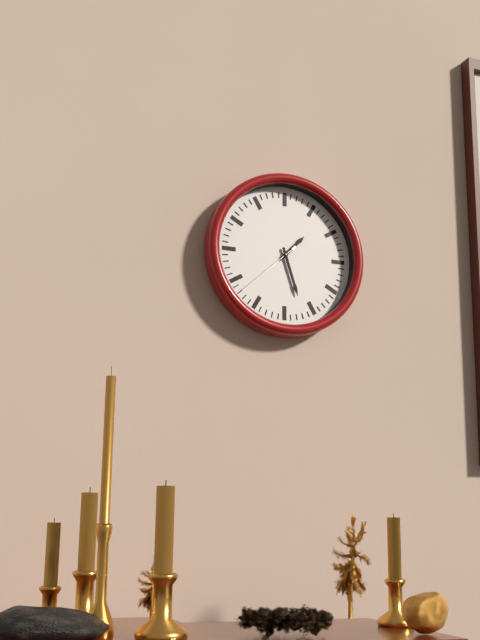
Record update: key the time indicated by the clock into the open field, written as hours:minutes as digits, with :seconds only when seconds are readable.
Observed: 1:27:38
